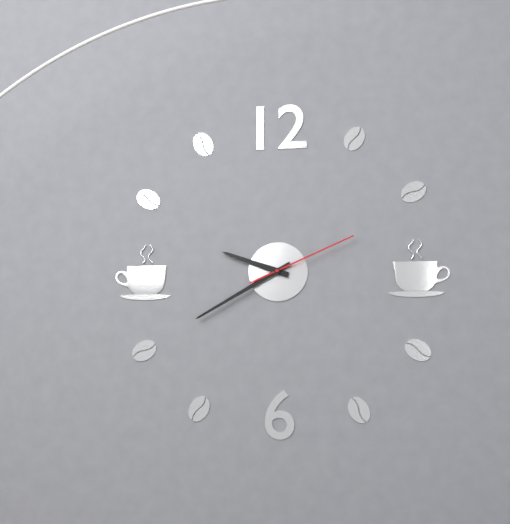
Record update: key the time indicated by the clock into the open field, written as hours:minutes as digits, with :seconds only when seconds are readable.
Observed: 9:40:11
